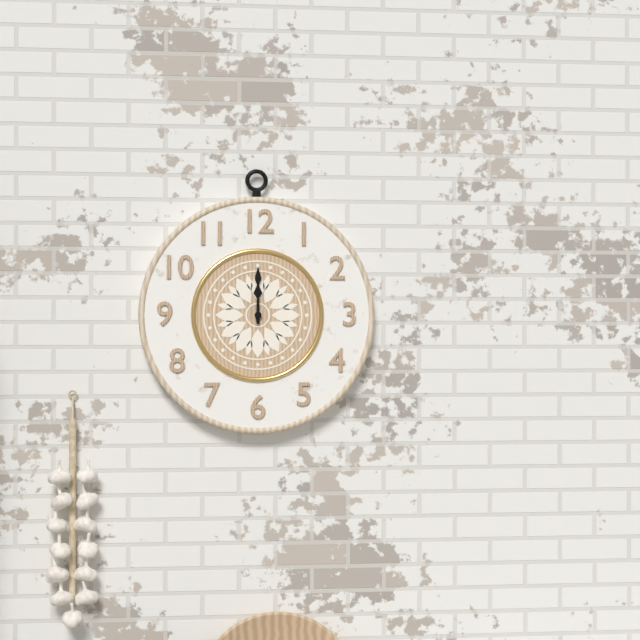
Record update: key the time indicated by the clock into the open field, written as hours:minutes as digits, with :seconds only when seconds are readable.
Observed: 12:00
